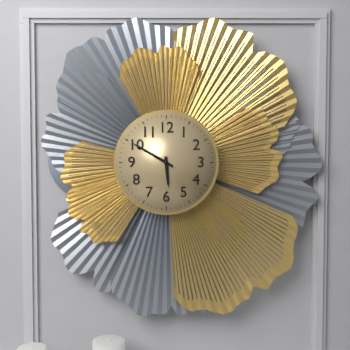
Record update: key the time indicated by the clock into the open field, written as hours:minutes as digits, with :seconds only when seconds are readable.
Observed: 5:50
